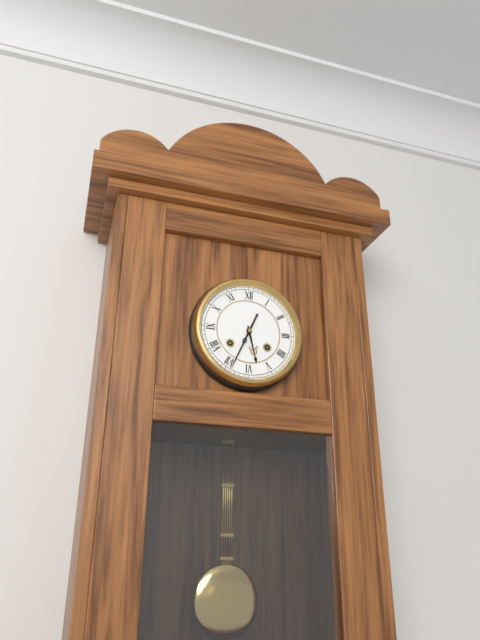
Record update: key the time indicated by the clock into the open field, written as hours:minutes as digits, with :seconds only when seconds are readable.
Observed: 5:34
